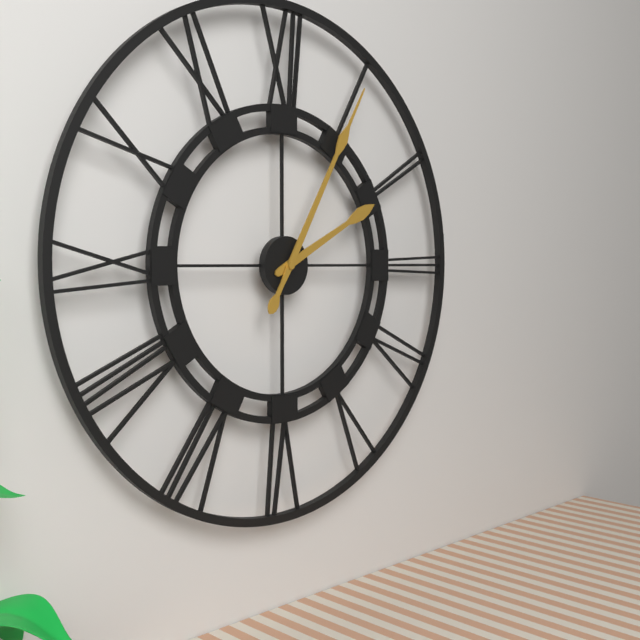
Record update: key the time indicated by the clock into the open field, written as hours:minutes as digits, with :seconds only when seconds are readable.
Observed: 2:05
